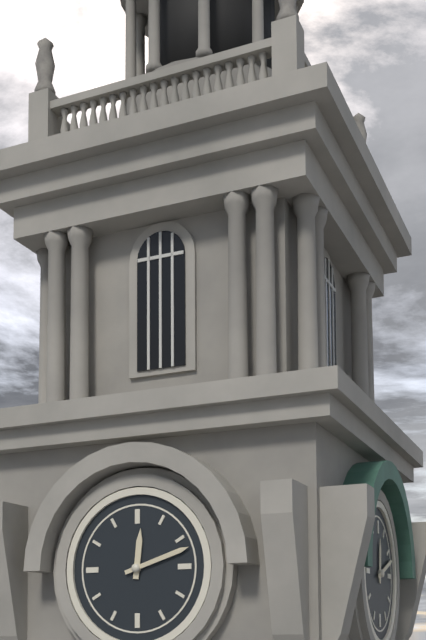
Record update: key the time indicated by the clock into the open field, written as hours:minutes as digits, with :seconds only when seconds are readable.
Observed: 12:12
